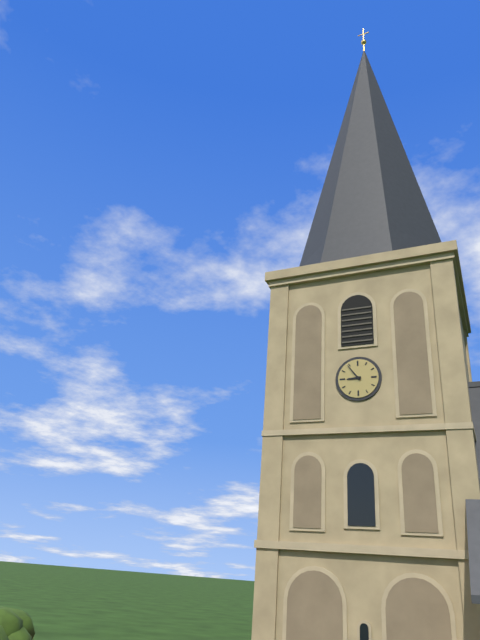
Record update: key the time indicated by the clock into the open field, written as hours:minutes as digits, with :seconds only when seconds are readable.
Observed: 8:54
